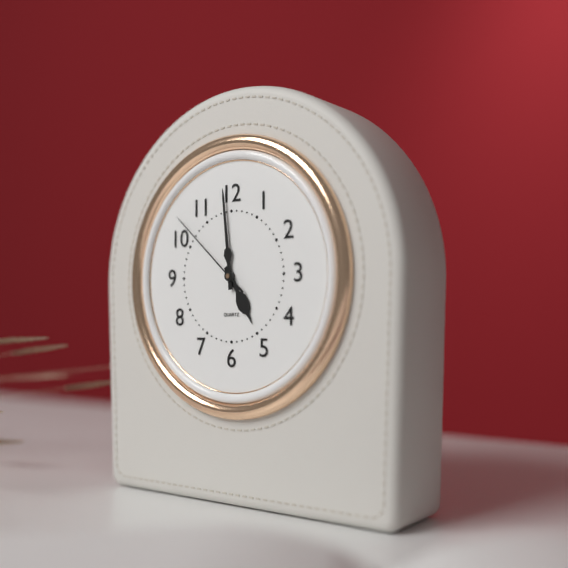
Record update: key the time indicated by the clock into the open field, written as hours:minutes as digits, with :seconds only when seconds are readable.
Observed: 4:59:52
